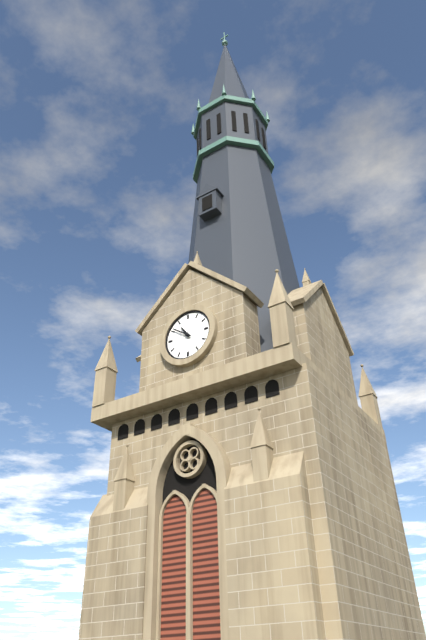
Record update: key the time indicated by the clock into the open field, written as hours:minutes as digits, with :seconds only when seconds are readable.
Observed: 10:51
